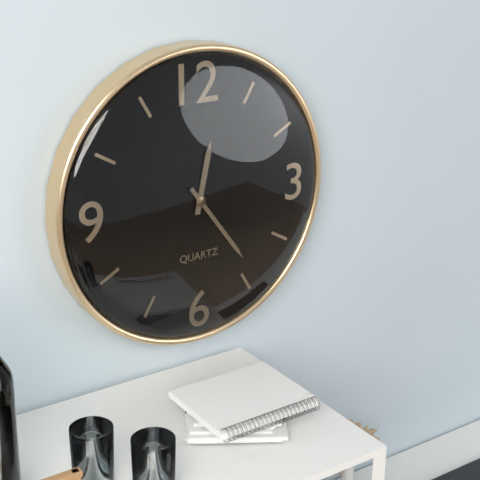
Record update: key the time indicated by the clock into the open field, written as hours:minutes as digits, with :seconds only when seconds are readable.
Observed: 12:24
